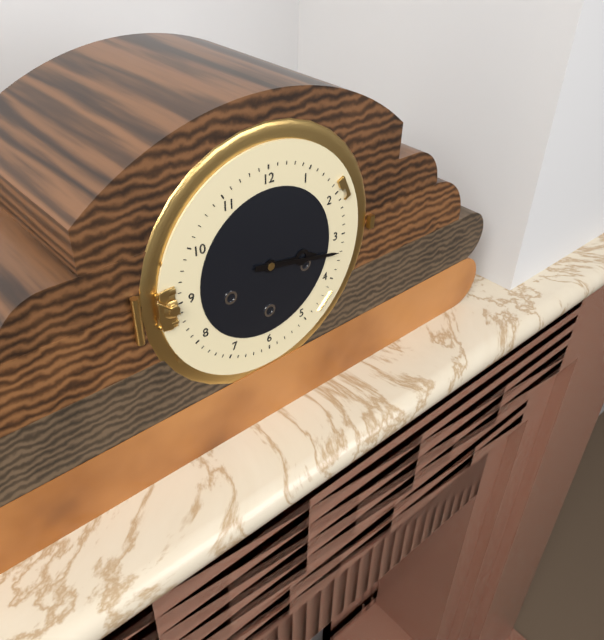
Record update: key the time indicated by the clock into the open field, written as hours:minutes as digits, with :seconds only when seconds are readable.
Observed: 3:17
